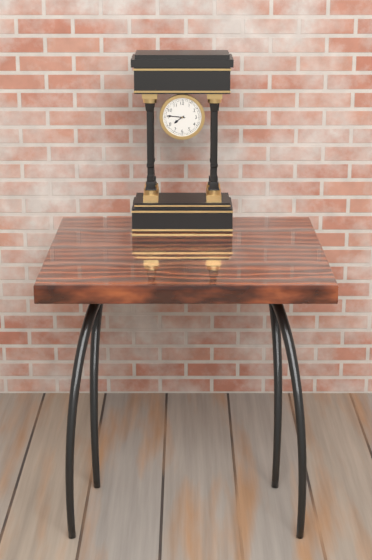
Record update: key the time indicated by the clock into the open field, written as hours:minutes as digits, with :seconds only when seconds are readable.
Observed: 7:46
